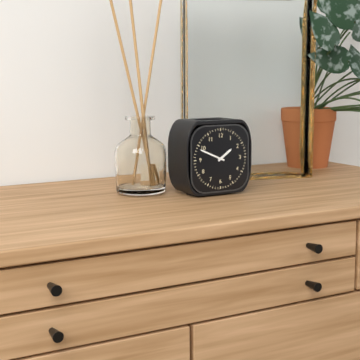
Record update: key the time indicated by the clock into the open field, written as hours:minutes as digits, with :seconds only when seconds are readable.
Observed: 1:49
